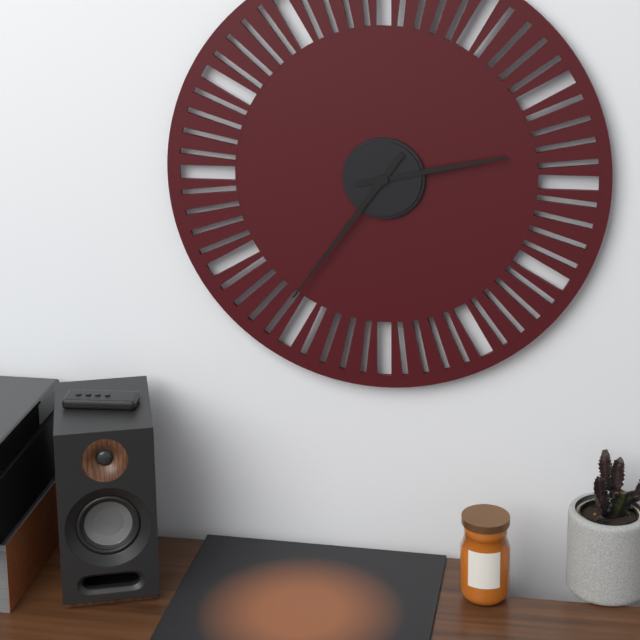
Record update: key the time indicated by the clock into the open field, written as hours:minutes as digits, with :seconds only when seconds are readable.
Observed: 2:36
